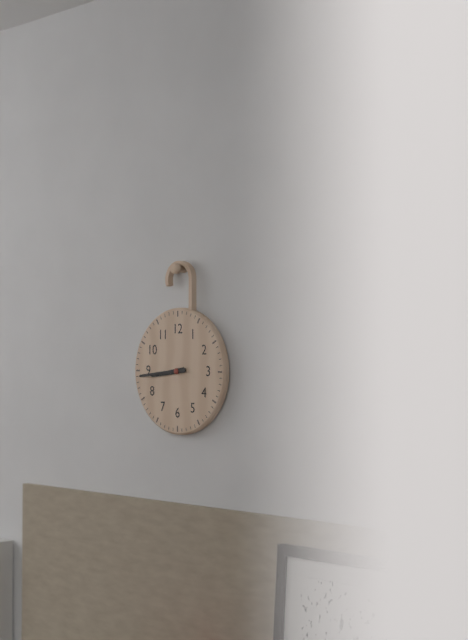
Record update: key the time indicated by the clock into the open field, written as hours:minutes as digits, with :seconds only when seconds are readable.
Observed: 8:44
